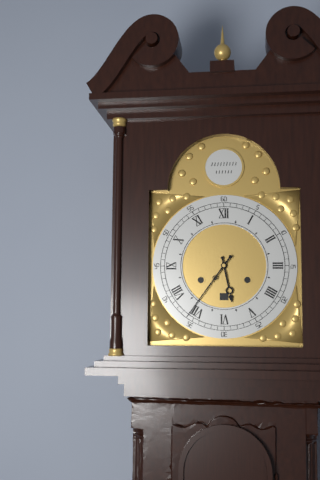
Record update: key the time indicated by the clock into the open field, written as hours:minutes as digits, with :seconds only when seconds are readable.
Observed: 5:36
